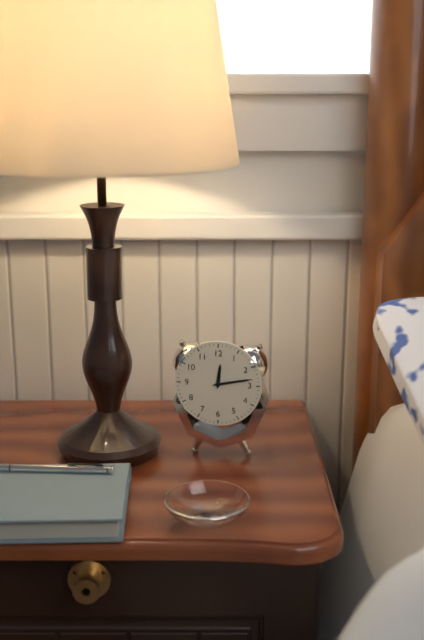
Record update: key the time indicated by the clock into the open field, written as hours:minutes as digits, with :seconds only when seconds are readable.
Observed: 12:13
